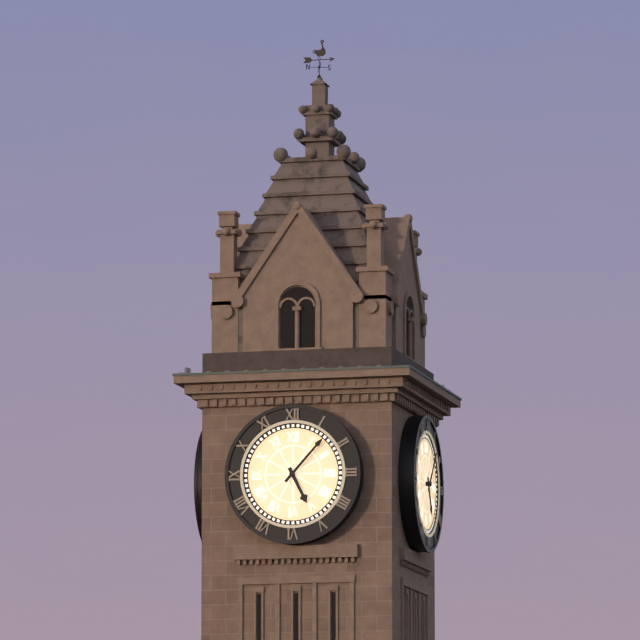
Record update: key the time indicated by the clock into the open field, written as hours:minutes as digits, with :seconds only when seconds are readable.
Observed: 5:07
